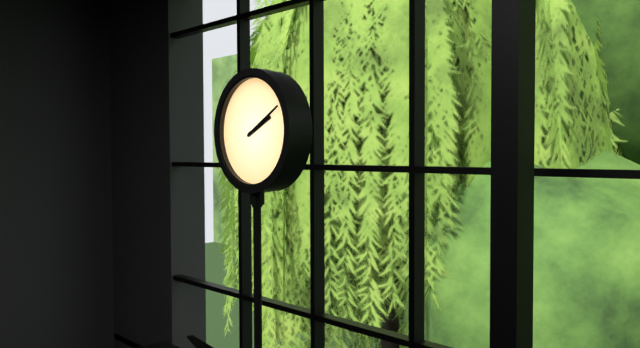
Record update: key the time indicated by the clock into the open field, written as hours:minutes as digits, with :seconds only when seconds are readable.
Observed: 2:10
